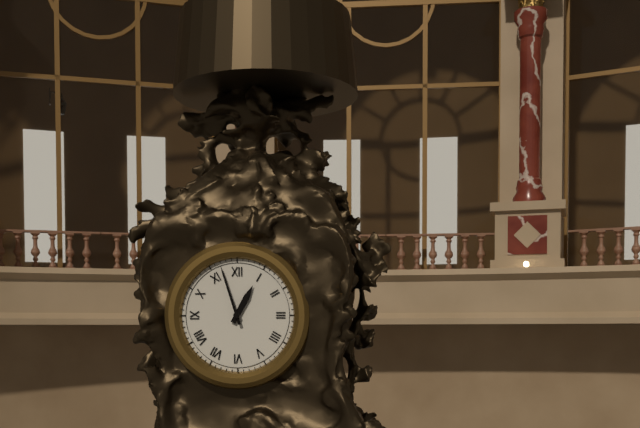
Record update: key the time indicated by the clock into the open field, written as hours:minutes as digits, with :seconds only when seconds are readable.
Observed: 12:57
